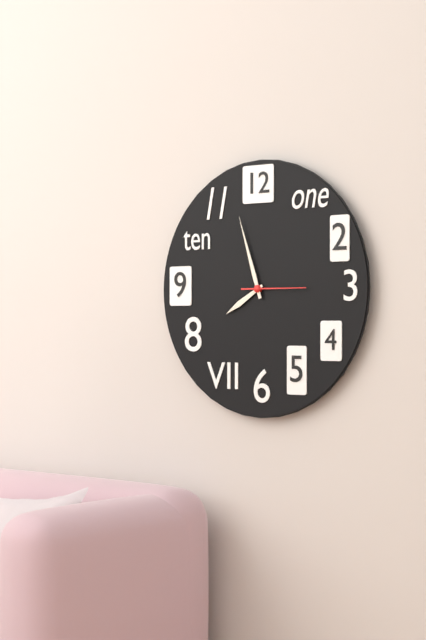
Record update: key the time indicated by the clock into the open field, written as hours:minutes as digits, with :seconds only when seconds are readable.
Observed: 7:57:15
